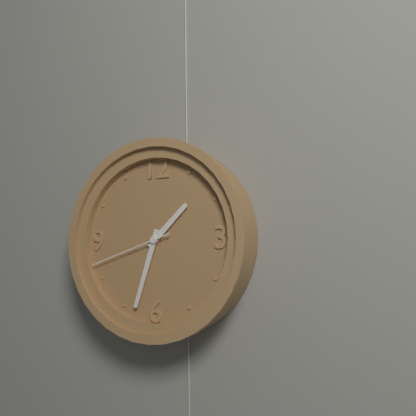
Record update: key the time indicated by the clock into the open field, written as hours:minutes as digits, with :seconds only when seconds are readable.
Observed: 1:33:42
